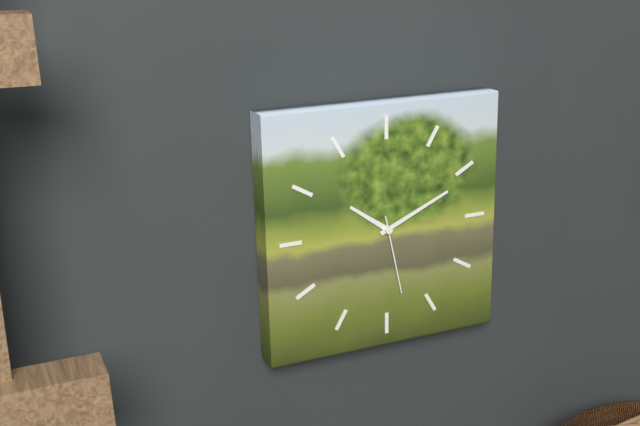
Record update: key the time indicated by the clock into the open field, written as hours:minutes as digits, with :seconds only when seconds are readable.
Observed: 10:11:28
